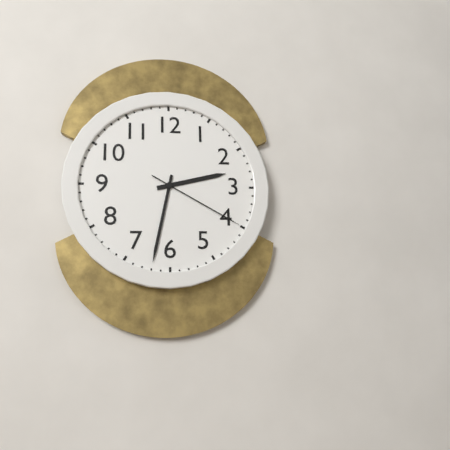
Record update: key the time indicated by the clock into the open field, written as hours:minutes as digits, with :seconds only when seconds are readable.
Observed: 2:32:20
